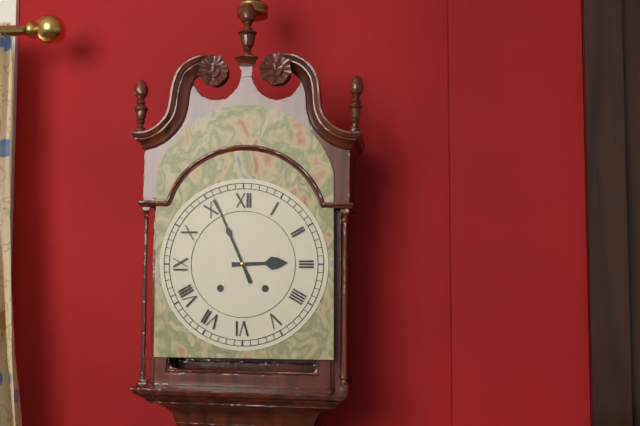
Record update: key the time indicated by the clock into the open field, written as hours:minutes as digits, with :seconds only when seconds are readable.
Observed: 2:56
